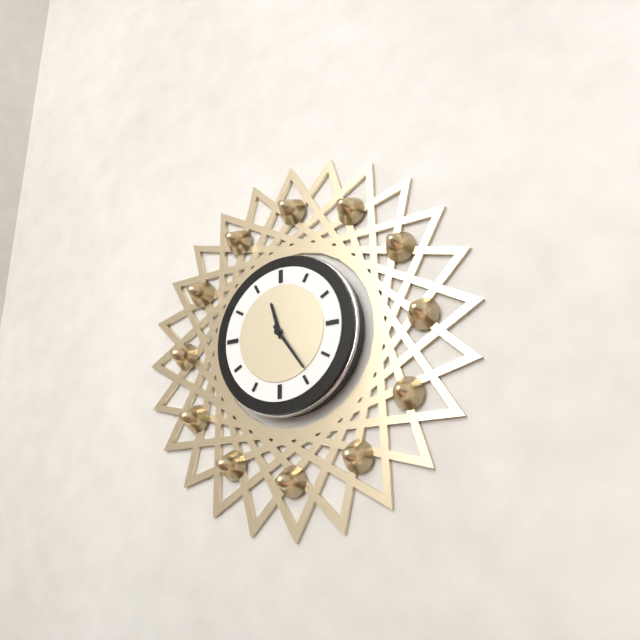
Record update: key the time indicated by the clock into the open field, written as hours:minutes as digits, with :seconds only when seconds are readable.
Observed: 11:24
